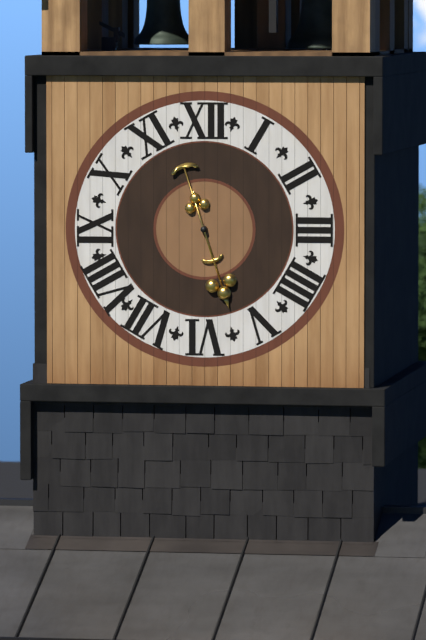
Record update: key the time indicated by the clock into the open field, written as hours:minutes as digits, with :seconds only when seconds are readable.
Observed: 11:27
